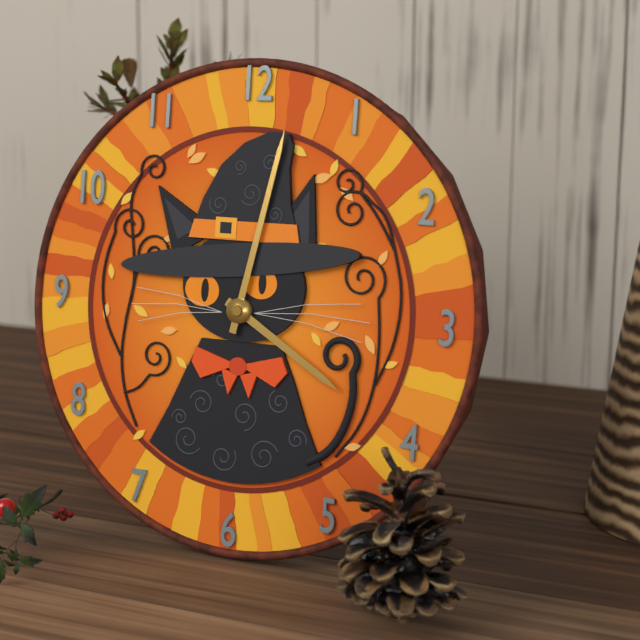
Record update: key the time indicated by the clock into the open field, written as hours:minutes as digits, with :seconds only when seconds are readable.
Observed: 4:02
